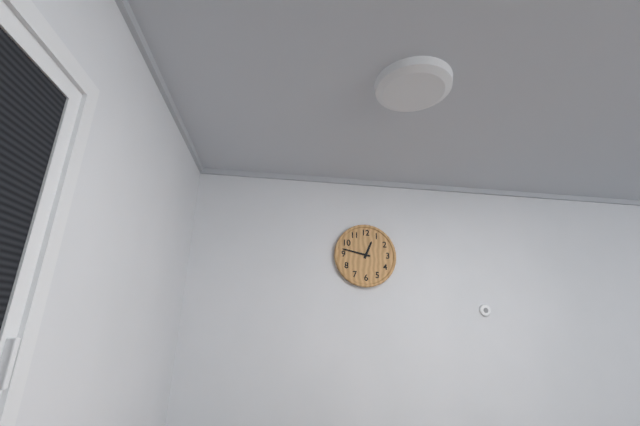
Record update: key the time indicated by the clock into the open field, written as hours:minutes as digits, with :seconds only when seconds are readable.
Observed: 12:47
